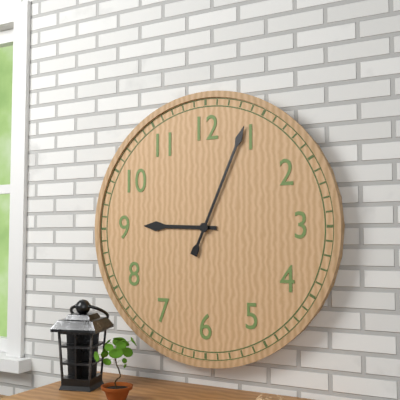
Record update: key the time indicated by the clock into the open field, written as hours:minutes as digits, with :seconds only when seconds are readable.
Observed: 9:04
